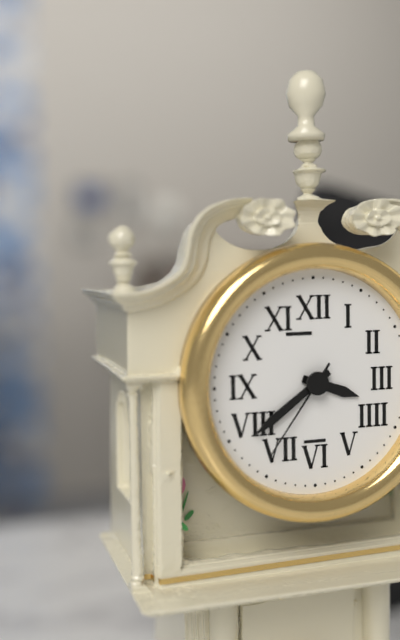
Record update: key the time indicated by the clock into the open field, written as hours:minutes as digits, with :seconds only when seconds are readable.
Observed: 3:39:36
